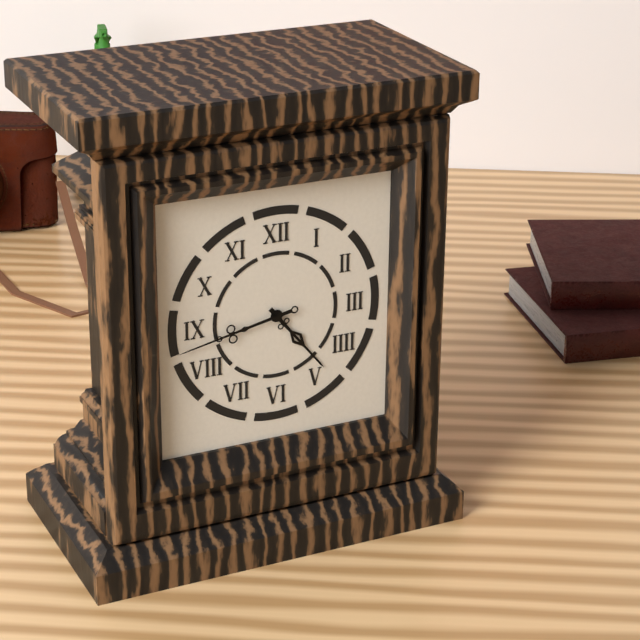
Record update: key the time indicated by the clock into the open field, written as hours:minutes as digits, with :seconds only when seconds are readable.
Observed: 4:43
